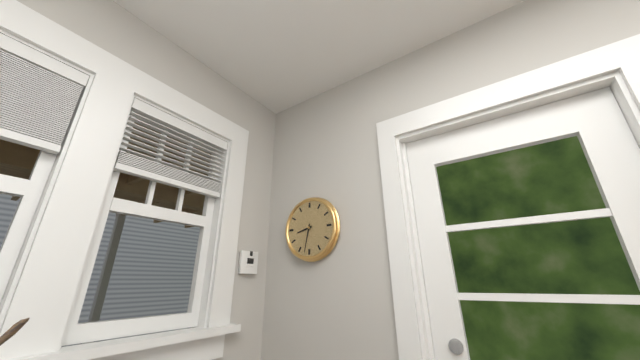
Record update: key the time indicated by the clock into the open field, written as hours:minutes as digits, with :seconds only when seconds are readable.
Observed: 8:32
